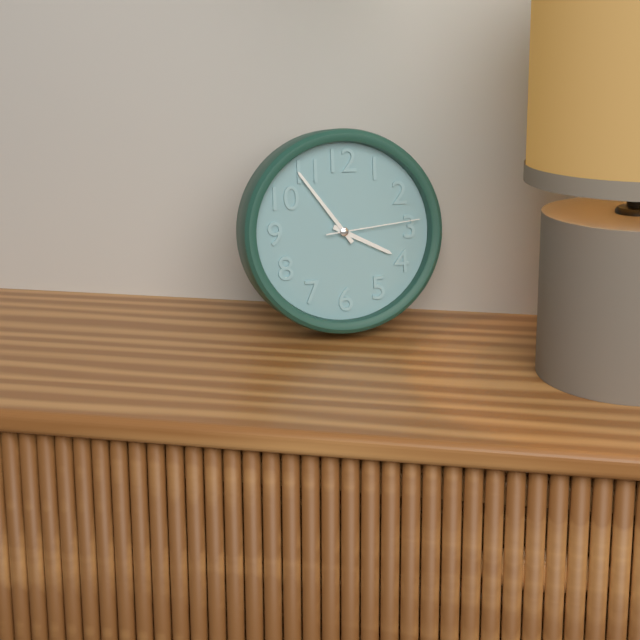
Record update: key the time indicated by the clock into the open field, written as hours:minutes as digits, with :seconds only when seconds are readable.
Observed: 3:54:14
